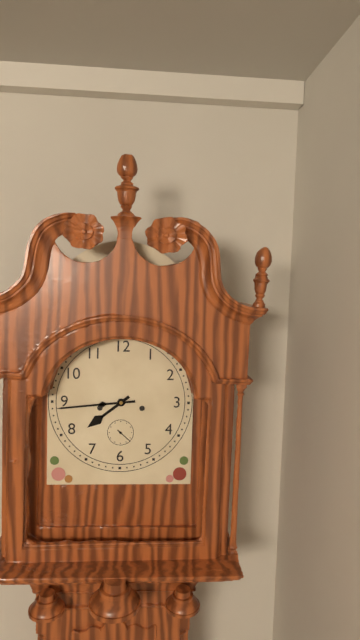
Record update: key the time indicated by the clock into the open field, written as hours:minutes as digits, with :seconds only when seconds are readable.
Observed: 7:44
